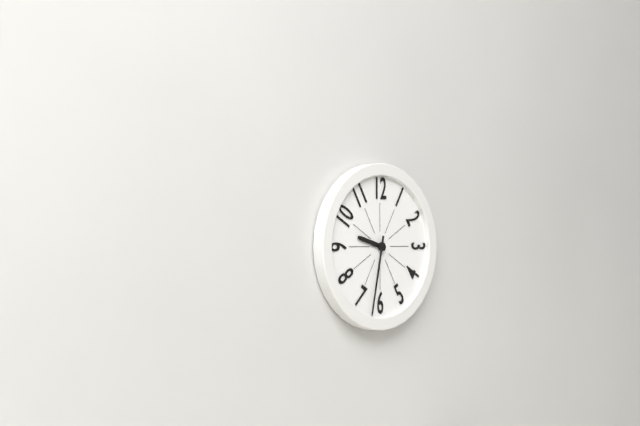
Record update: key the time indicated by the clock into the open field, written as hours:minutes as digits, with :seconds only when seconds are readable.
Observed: 9:32
